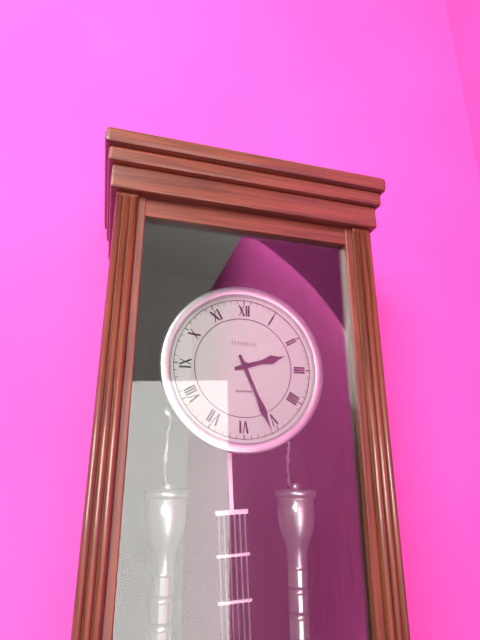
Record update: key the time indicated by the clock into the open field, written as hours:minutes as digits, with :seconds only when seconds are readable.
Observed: 2:26
